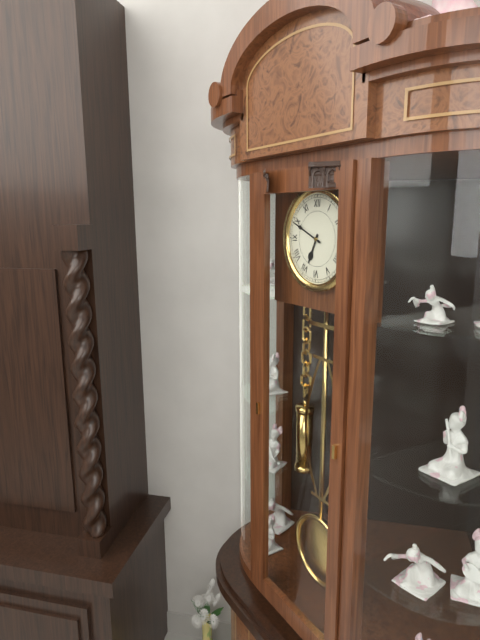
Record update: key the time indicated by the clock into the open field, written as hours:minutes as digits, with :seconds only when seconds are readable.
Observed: 6:49
